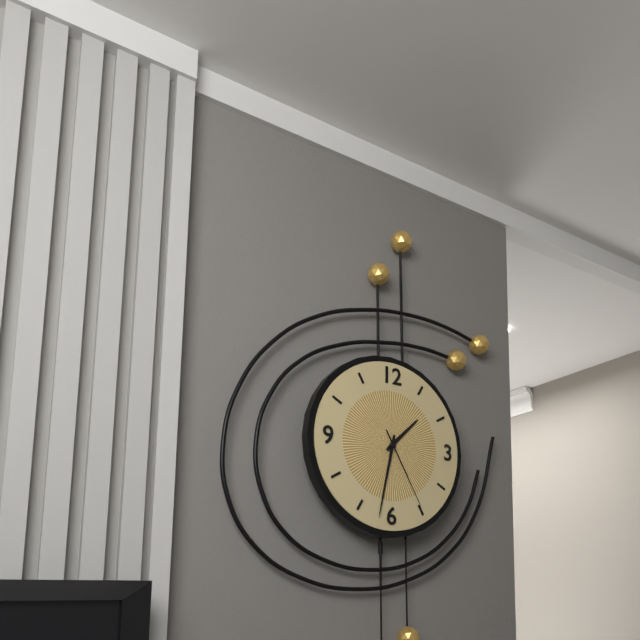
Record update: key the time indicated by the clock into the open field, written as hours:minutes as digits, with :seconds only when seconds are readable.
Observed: 1:32:25
